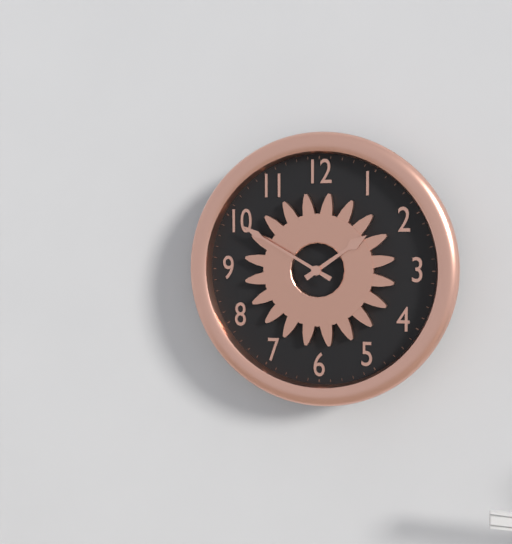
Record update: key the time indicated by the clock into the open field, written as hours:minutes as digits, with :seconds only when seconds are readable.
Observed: 1:50
